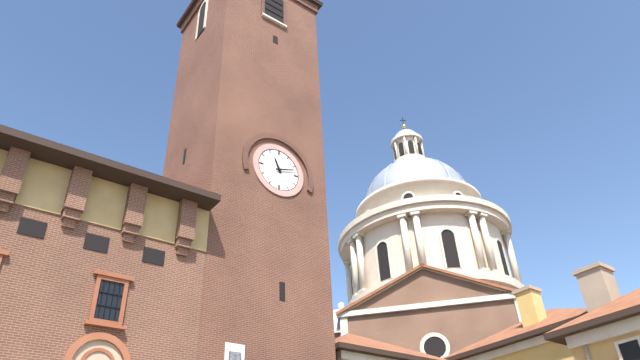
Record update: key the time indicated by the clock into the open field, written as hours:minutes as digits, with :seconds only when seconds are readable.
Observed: 11:12
